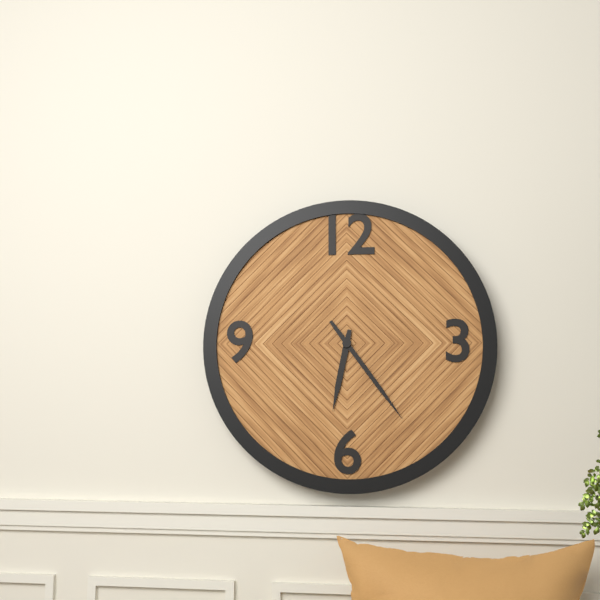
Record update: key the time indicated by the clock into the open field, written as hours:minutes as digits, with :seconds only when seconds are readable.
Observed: 6:24
